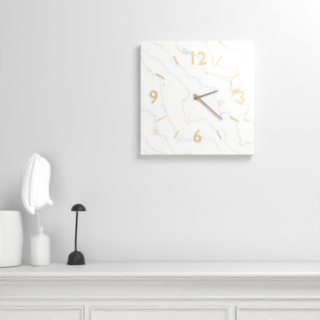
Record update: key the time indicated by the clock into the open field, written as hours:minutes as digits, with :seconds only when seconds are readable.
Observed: 2:22
